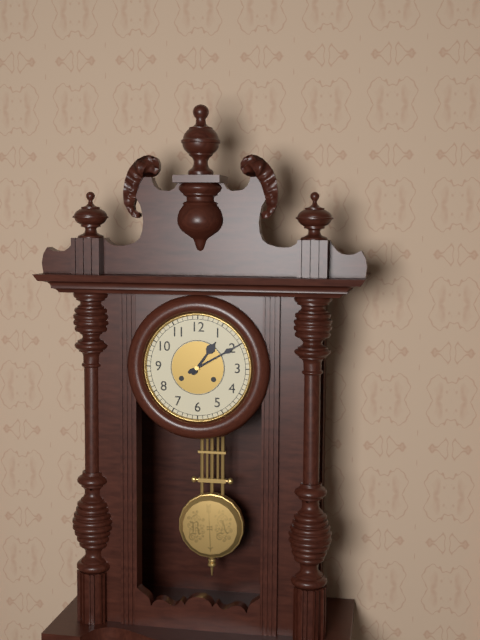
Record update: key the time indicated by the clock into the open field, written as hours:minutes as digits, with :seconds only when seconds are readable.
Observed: 1:10
